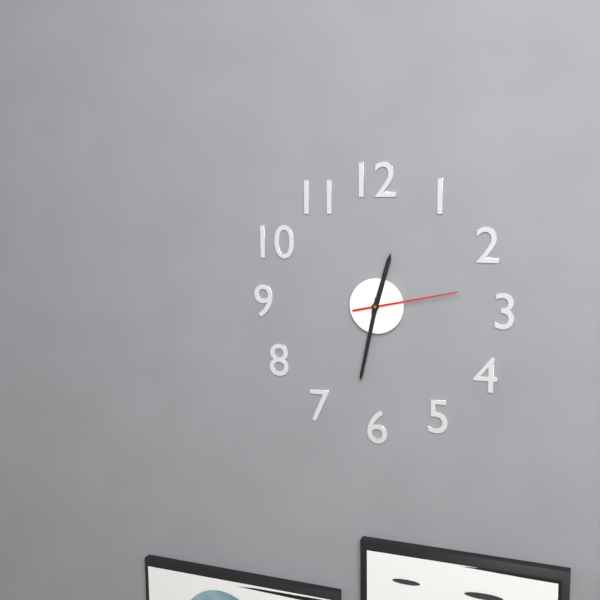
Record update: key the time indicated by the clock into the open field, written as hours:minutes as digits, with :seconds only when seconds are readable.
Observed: 12:32:13
